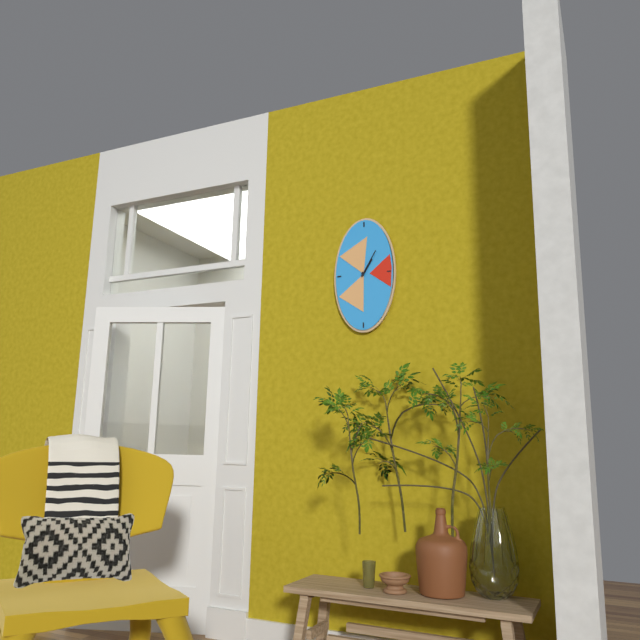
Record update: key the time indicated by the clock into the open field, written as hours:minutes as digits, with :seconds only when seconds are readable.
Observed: 1:05
